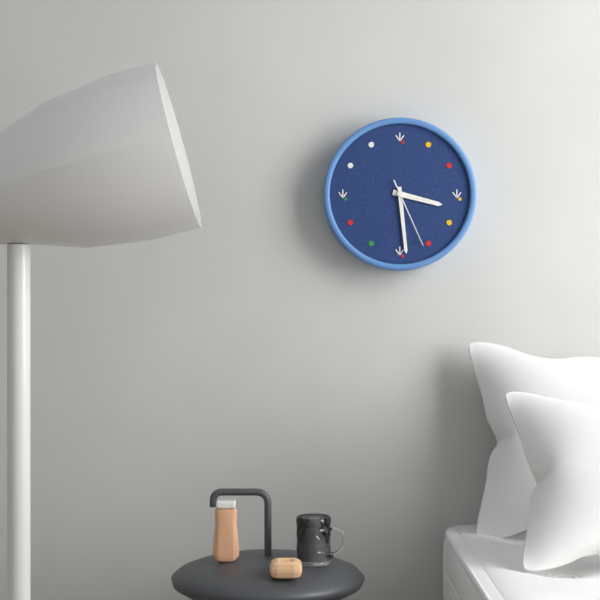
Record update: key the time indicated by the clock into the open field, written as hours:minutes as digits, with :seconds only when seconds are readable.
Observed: 3:29:26
